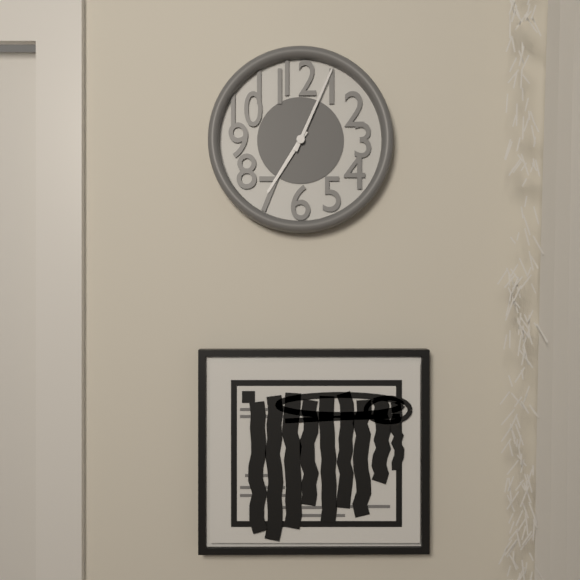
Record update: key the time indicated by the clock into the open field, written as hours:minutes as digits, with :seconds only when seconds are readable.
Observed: 7:04
